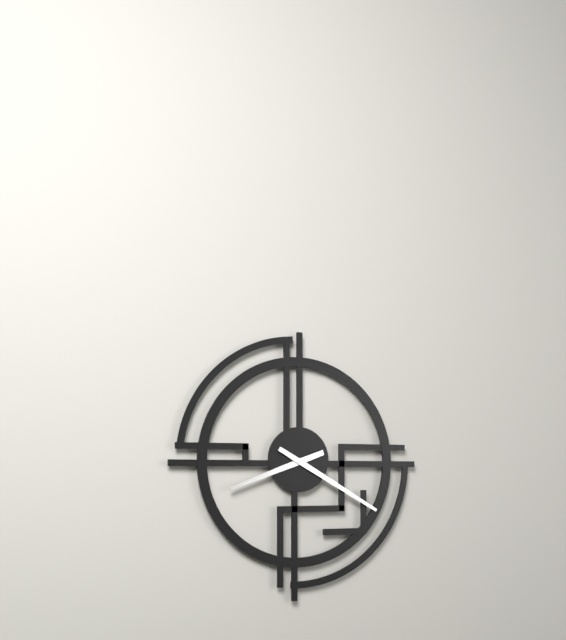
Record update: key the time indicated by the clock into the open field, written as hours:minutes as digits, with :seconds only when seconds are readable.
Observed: 8:20
